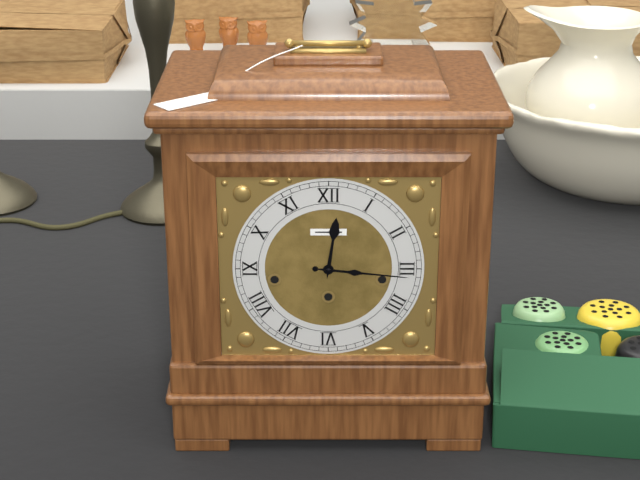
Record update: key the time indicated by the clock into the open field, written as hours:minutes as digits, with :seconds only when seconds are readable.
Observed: 12:16
